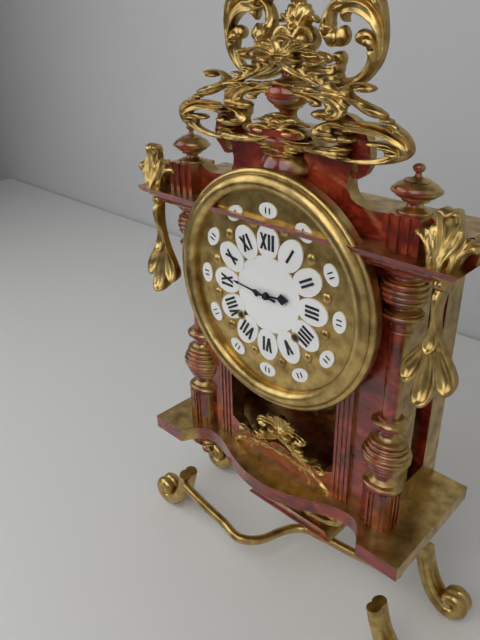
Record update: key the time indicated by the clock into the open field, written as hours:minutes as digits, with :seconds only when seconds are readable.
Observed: 2:46
